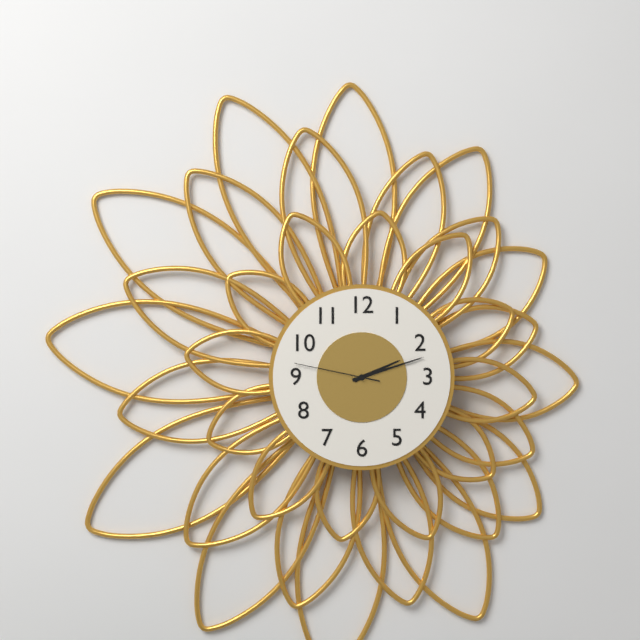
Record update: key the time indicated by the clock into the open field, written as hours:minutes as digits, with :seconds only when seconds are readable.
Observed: 2:12:47
